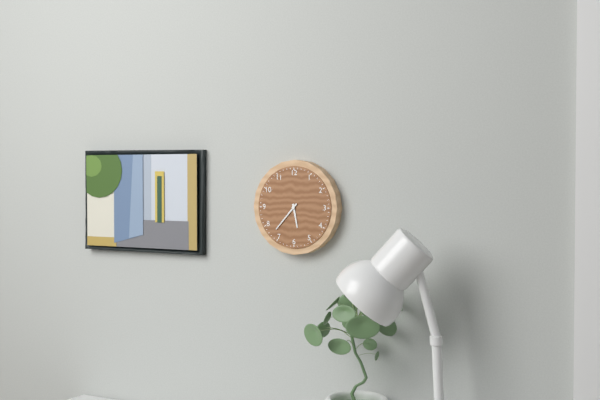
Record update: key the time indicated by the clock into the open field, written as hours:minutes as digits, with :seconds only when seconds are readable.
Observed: 5:37
